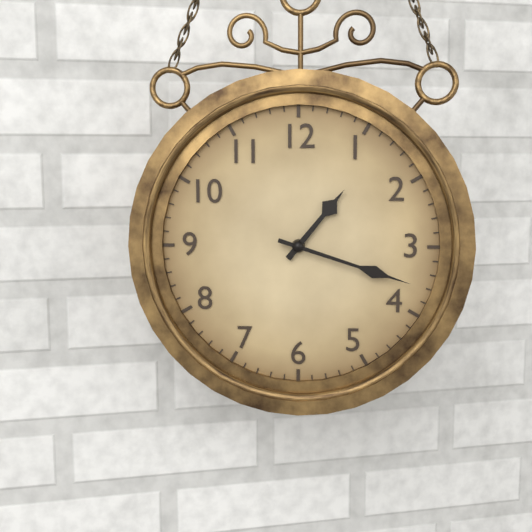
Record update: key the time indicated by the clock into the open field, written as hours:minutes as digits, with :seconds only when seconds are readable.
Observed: 1:18
